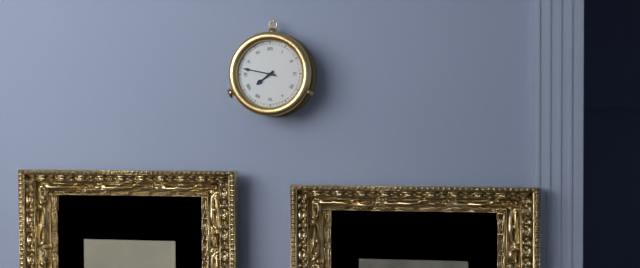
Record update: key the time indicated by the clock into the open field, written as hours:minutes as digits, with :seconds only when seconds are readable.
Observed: 7:47
